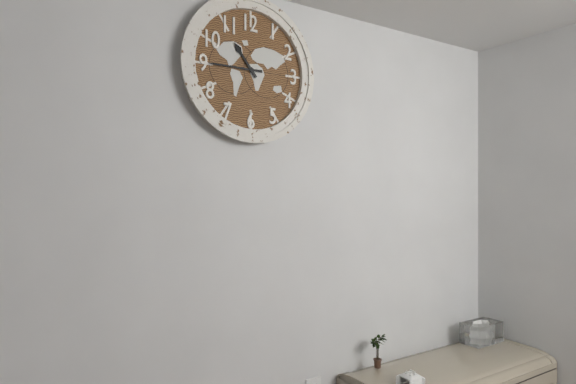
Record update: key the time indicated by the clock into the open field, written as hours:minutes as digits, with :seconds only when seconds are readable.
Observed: 10:45
